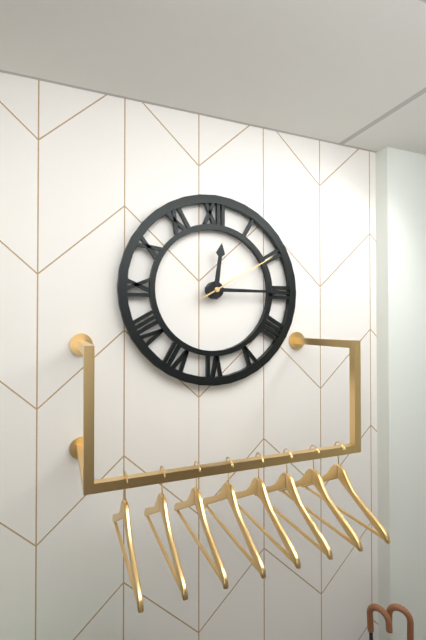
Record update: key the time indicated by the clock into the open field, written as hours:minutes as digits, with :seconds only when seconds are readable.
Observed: 12:15:10
